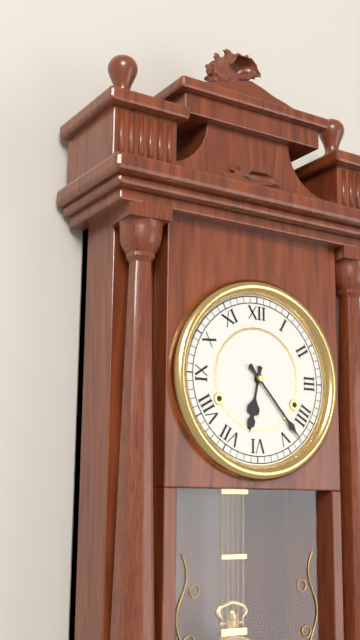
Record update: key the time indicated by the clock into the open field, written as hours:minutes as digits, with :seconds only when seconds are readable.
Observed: 6:23
